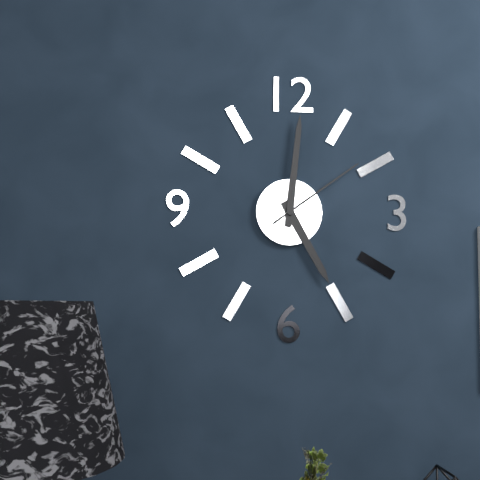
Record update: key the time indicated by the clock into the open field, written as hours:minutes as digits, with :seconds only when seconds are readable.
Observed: 5:01:09
